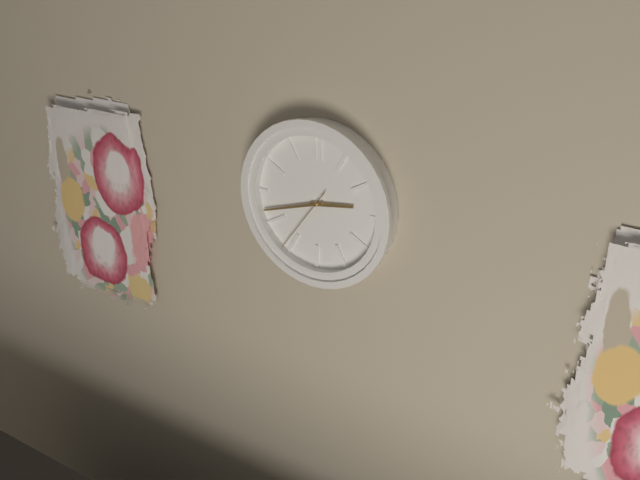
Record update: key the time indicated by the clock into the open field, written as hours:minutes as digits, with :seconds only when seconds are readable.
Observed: 2:42:36
